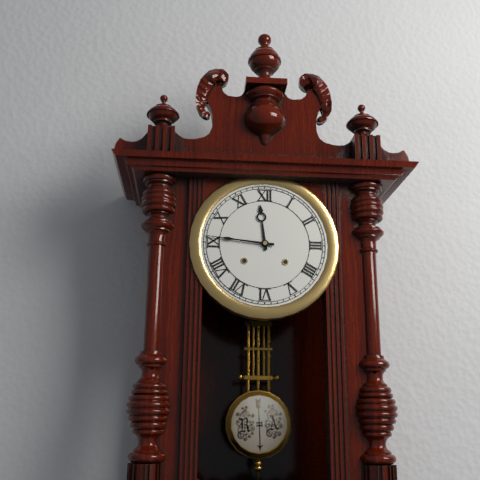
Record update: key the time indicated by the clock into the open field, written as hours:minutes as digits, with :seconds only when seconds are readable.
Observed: 11:46
